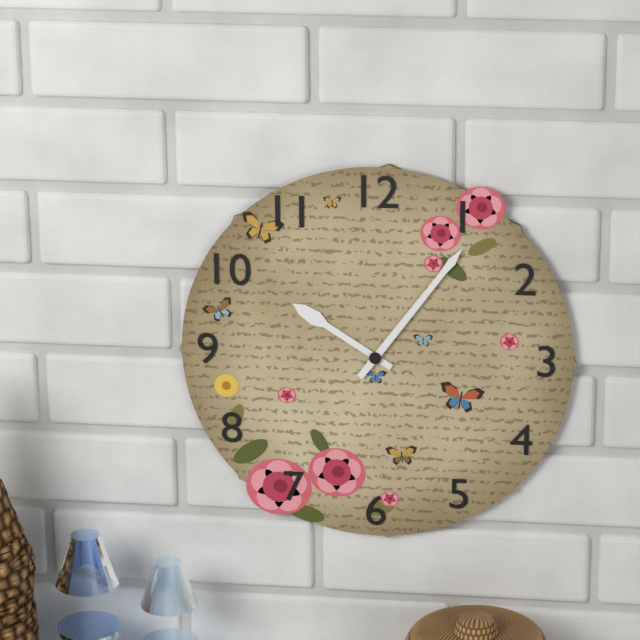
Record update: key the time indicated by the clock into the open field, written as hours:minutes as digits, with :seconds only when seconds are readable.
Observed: 10:06
